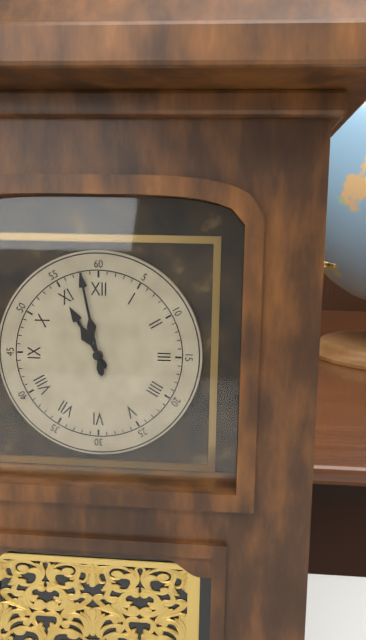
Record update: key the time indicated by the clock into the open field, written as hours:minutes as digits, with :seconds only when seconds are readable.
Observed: 10:58
